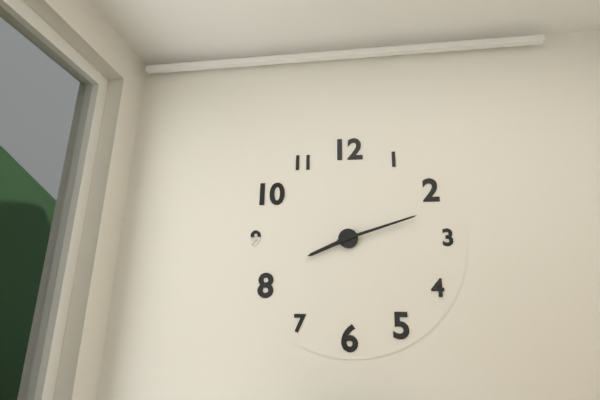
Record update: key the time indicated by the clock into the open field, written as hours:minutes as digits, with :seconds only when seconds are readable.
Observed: 8:12
